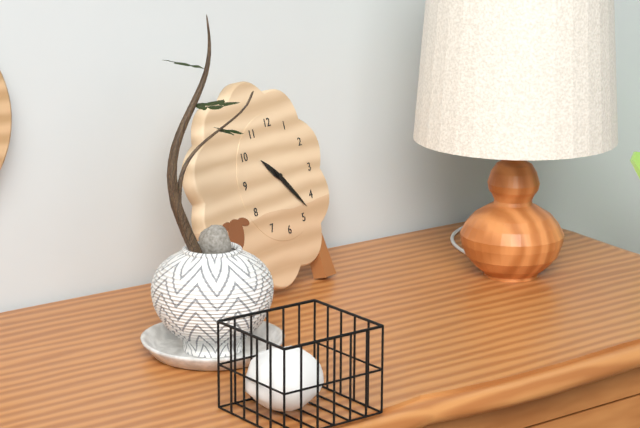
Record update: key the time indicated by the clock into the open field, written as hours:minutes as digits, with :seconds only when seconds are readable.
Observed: 10:23
